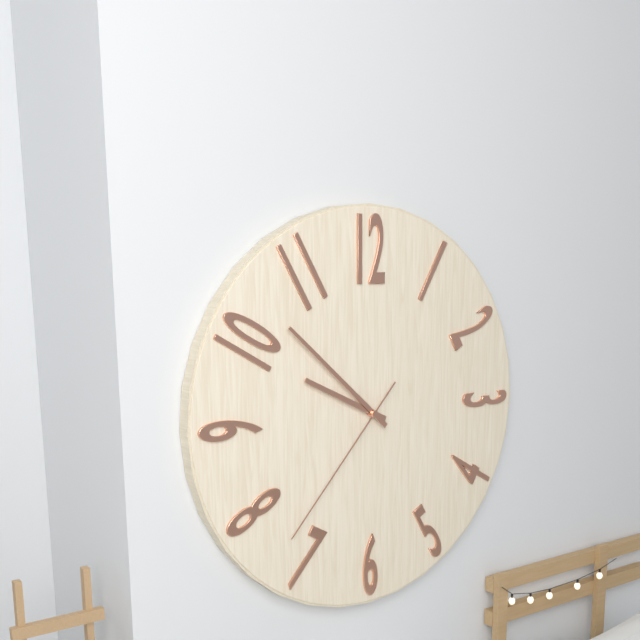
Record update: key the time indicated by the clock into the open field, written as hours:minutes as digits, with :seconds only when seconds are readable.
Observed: 9:52:37
